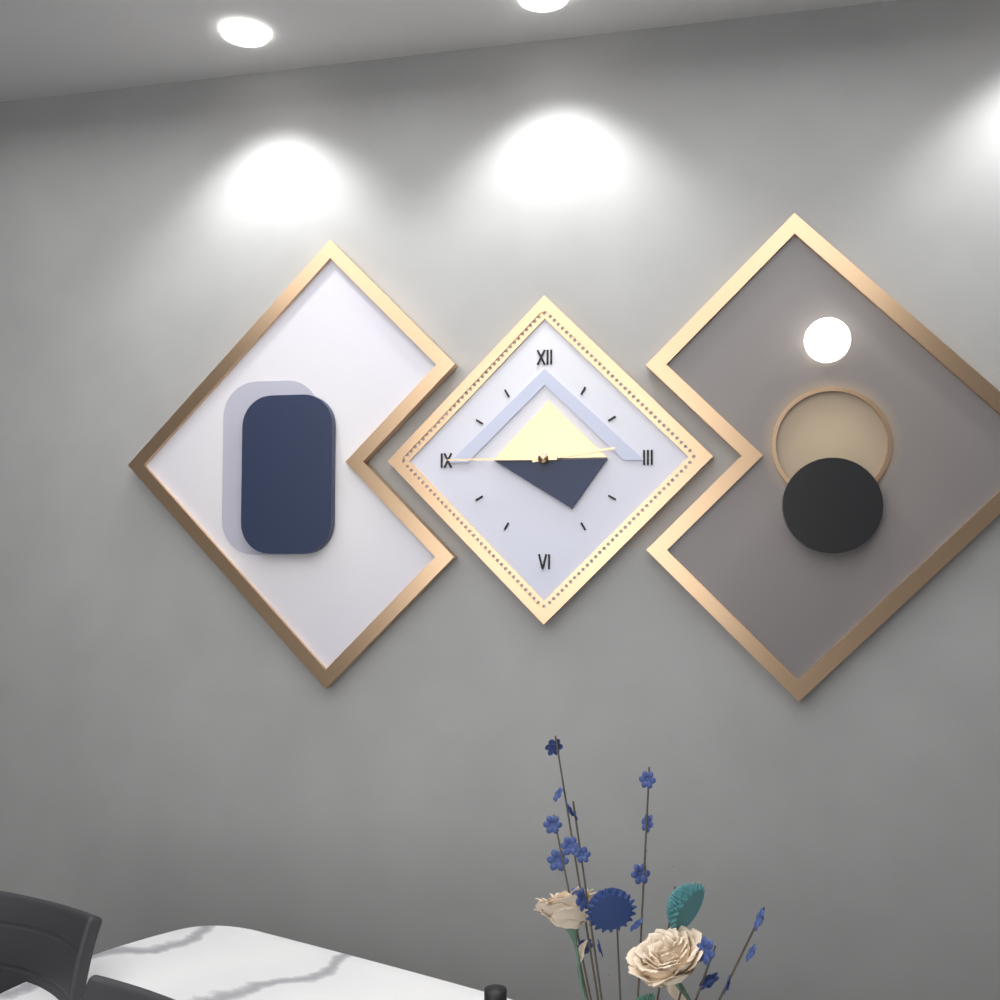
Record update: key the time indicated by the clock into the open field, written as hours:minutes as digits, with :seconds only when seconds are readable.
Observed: 2:45
